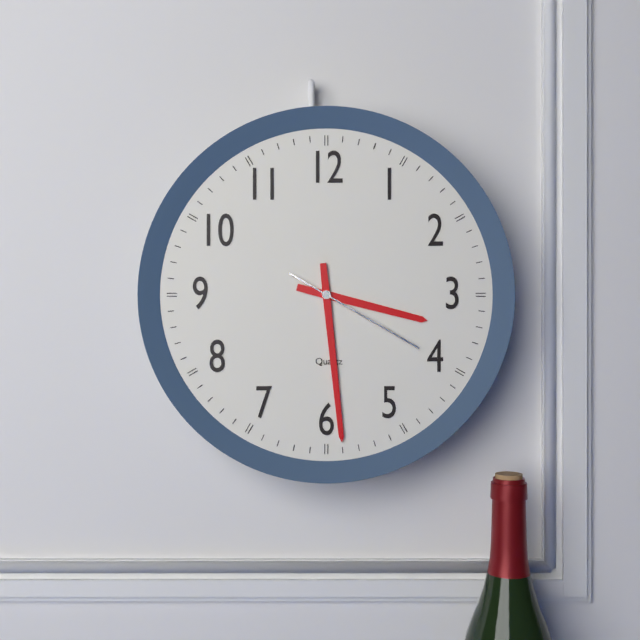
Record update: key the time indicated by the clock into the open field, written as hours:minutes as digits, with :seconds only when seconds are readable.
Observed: 3:29:20
